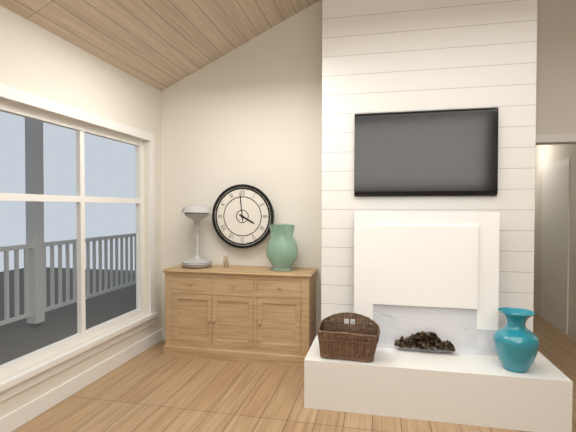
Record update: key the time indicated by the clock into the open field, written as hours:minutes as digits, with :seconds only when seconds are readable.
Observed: 3:59
